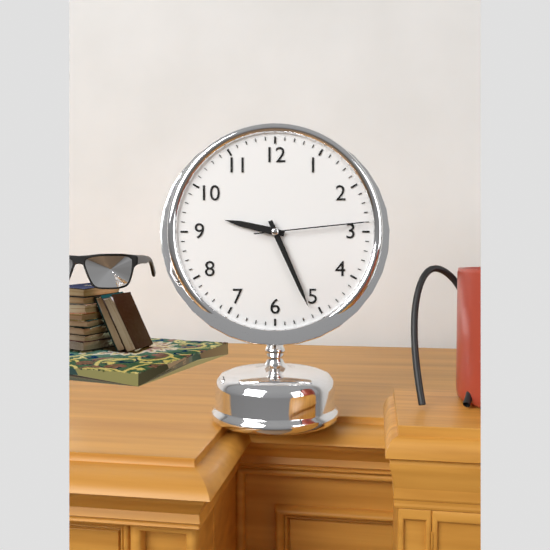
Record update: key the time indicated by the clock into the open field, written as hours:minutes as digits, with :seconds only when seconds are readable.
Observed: 9:26:14
